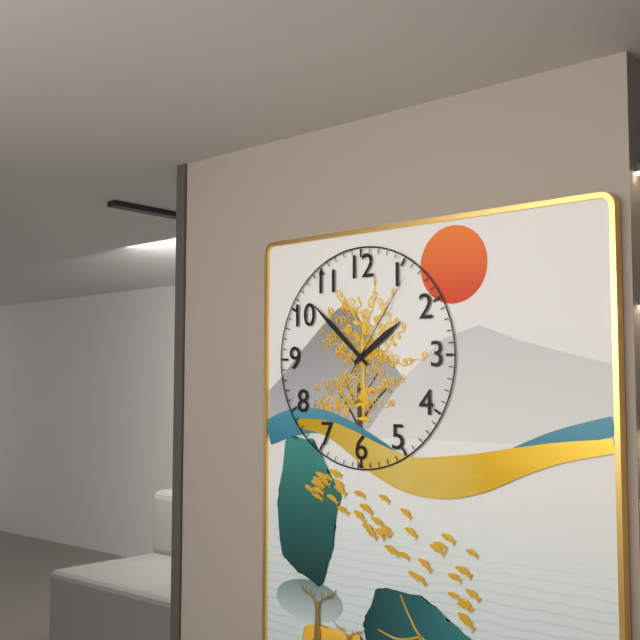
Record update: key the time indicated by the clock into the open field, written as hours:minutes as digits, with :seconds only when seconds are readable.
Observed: 1:52:06
